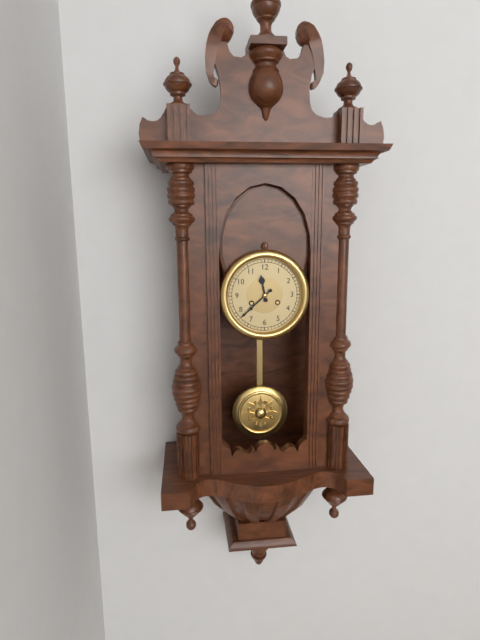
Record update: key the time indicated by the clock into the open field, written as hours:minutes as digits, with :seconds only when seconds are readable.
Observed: 11:38
